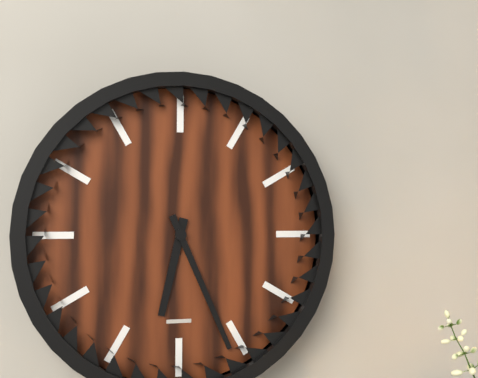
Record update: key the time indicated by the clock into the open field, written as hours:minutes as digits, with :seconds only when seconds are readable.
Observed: 6:26
